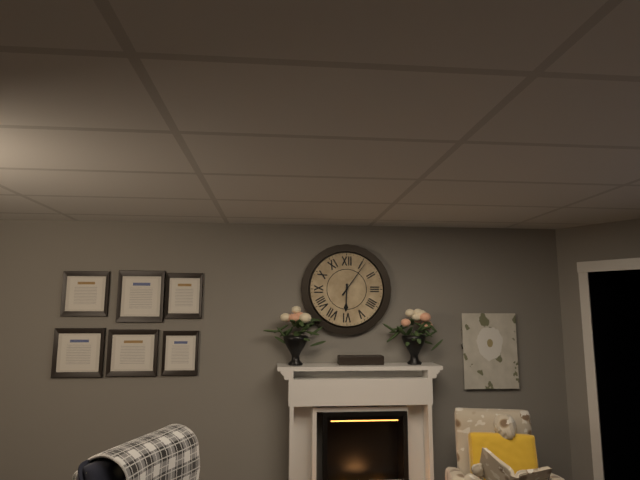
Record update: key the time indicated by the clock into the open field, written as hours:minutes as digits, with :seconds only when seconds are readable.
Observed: 6:06
